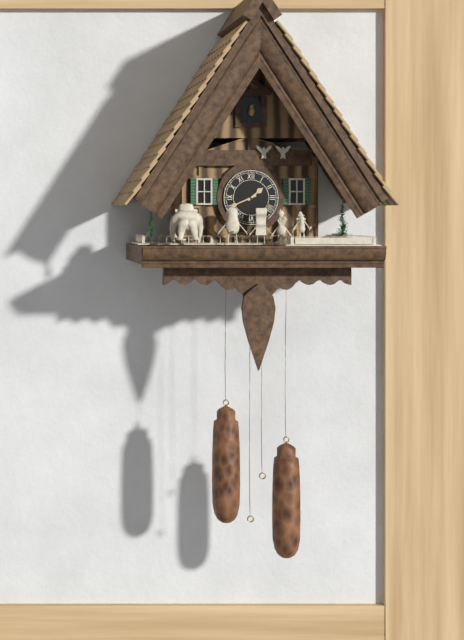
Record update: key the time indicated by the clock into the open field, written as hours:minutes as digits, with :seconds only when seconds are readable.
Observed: 1:41
